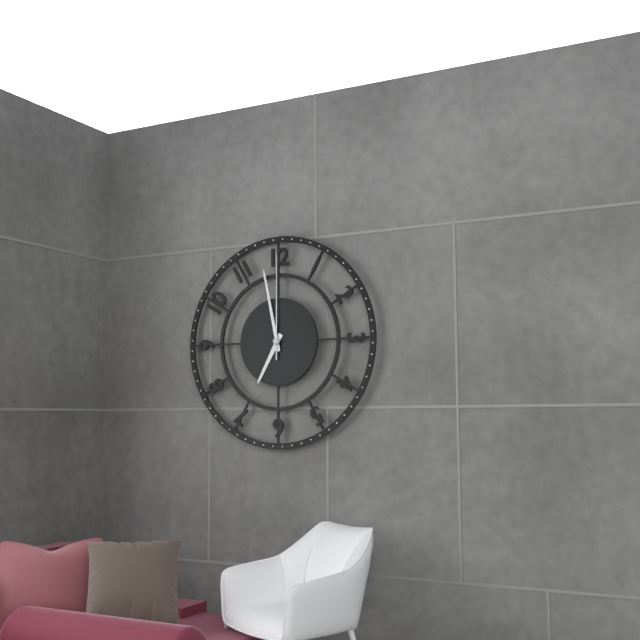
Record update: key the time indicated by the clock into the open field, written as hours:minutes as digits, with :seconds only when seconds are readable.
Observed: 6:58:00
